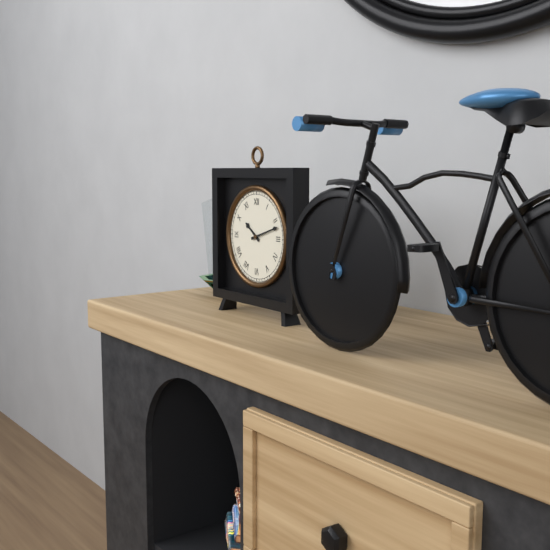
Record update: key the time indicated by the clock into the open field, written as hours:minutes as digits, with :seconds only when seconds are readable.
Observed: 10:12
